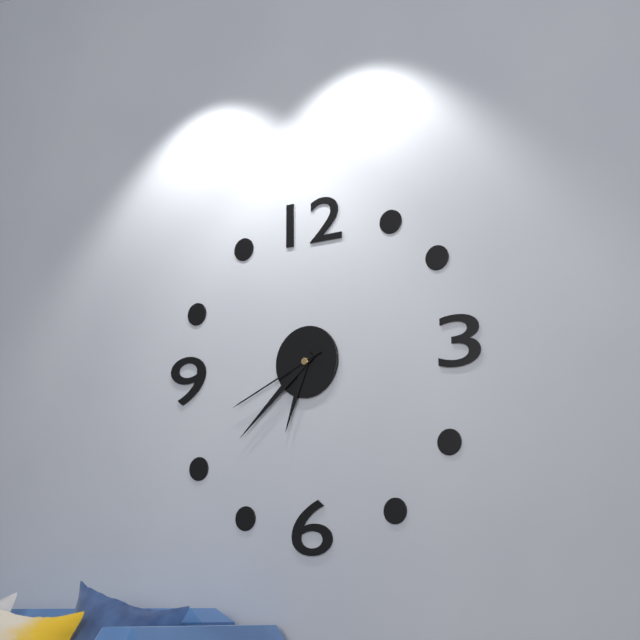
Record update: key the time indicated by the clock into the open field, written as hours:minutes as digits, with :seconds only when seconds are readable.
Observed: 6:38:41
